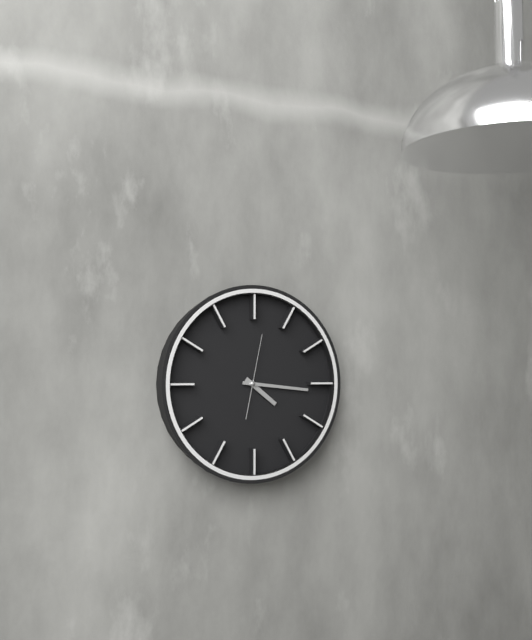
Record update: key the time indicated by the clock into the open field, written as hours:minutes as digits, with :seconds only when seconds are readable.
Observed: 4:16:02
